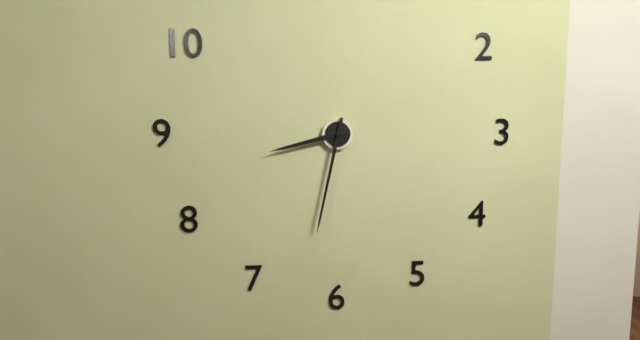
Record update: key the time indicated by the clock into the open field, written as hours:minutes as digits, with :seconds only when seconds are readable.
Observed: 8:32
